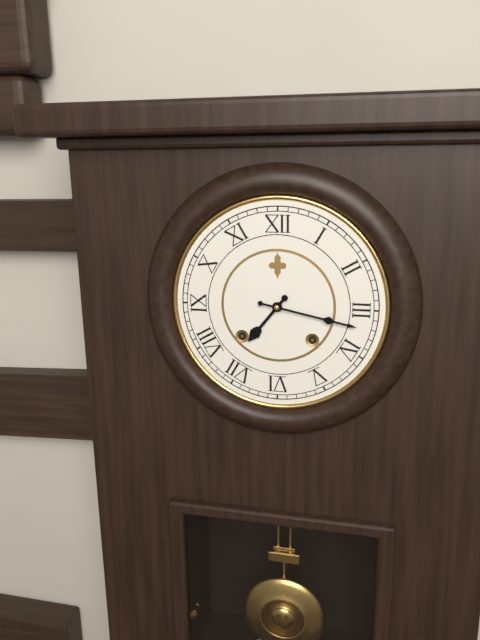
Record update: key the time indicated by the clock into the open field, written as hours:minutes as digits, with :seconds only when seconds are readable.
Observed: 7:17
